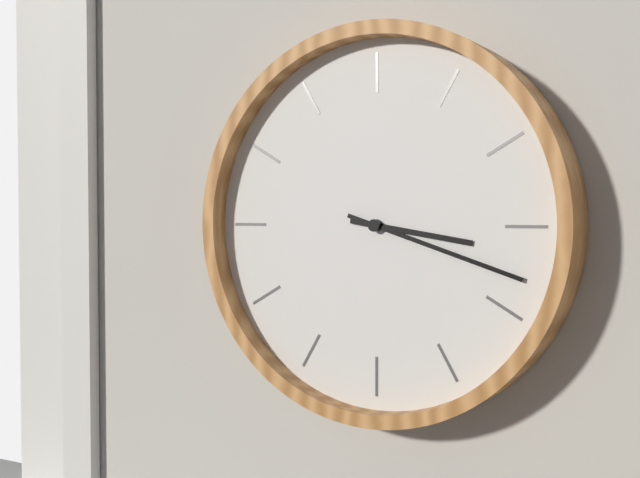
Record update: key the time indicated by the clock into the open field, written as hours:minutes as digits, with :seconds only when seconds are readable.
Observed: 3:18
